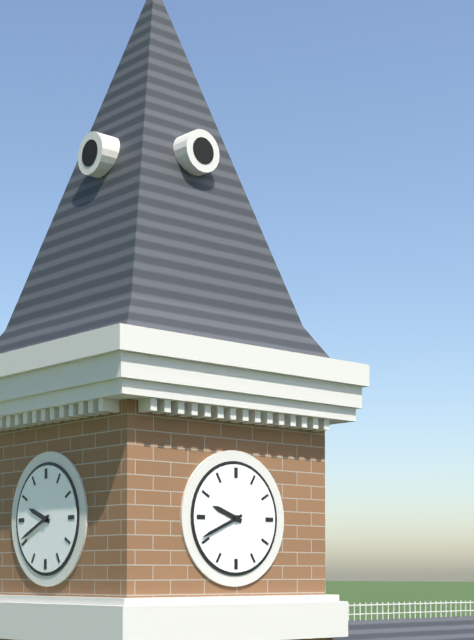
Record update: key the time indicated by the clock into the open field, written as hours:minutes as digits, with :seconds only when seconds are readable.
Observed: 9:41
